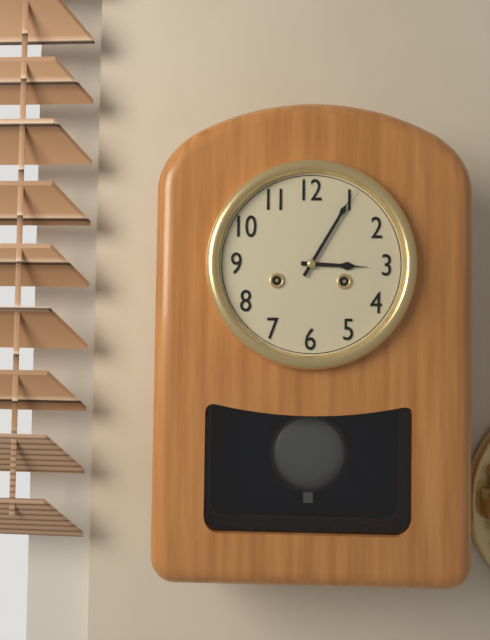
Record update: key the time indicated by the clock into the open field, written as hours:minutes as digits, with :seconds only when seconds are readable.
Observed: 3:05
